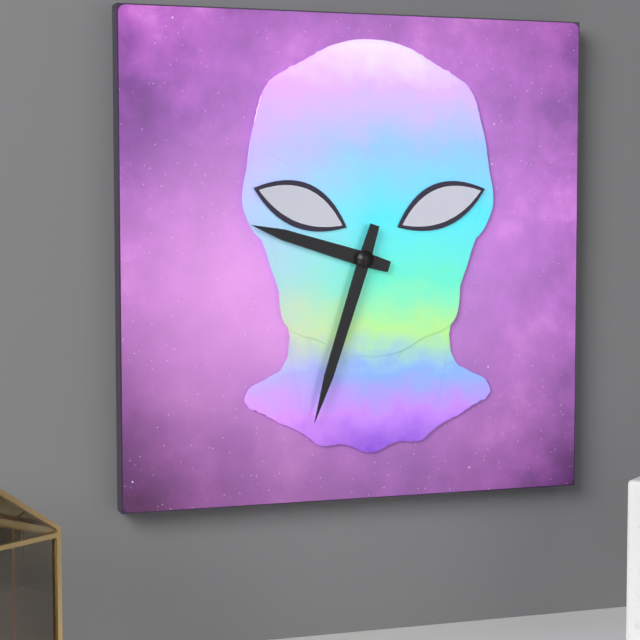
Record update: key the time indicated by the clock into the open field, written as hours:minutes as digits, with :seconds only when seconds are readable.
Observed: 9:33
